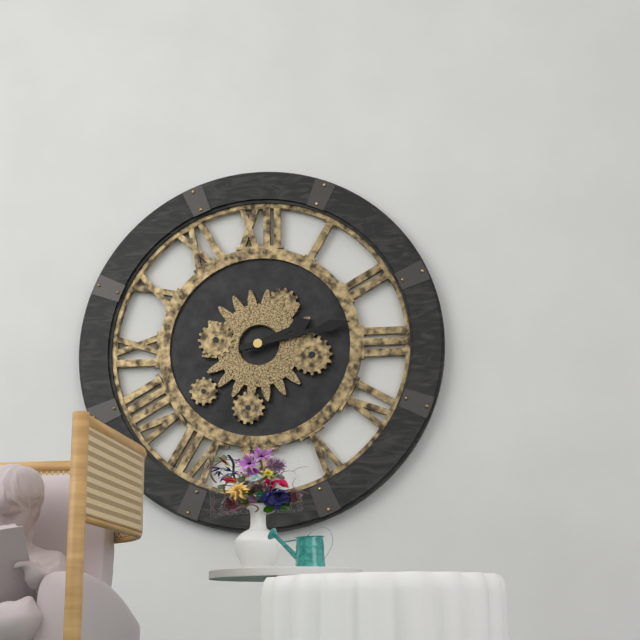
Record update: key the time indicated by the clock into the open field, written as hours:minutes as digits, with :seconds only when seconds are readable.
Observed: 2:13
